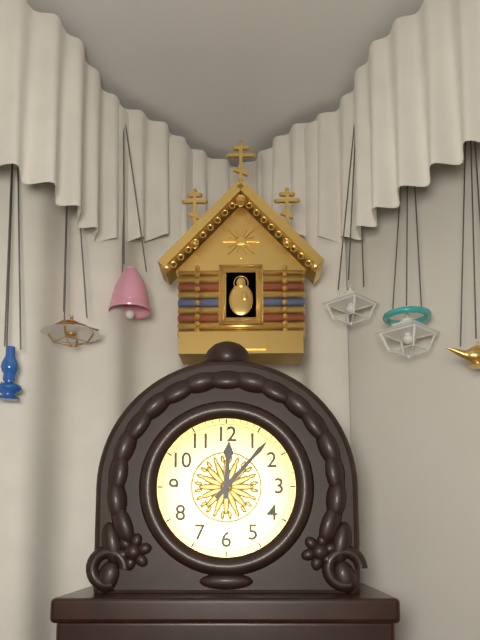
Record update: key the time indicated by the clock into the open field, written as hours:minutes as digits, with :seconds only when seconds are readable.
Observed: 12:07
